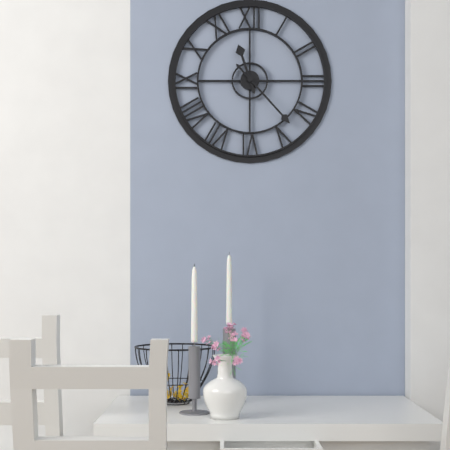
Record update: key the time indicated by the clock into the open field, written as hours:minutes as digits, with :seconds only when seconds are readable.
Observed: 11:23
